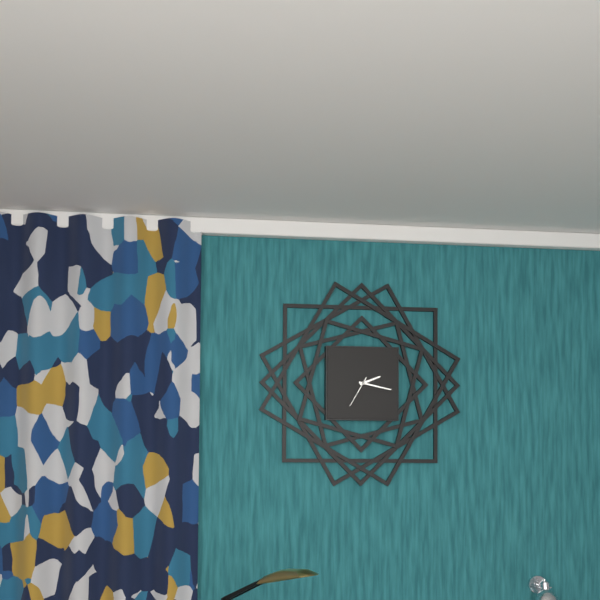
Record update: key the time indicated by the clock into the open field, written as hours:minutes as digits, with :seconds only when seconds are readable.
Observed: 2:17
